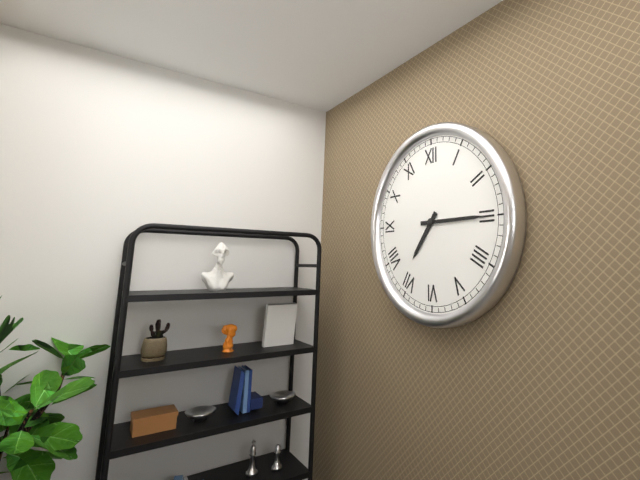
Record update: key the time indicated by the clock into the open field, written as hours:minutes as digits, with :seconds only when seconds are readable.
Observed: 7:15
